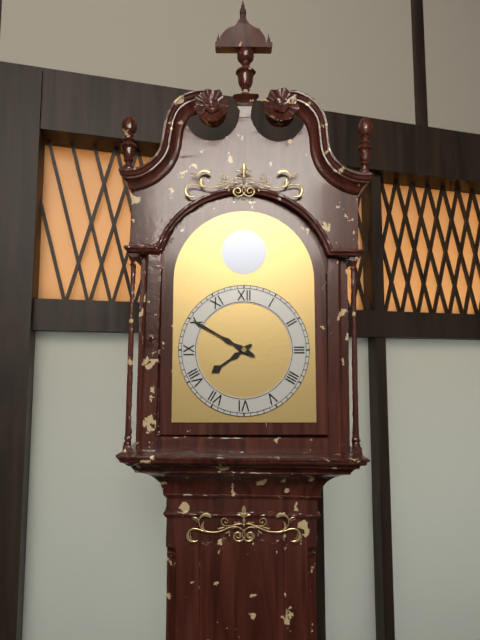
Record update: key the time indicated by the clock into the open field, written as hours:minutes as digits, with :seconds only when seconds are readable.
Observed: 7:50
